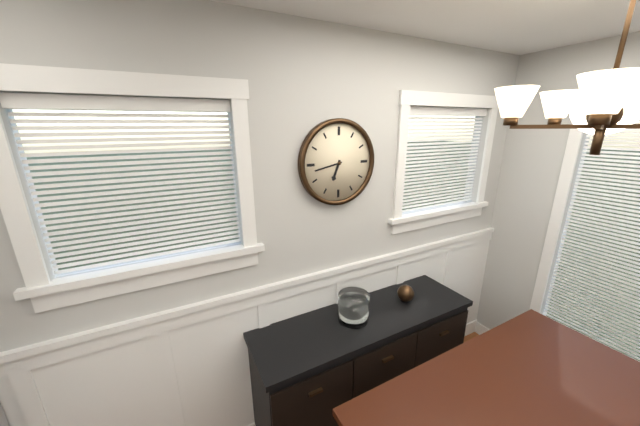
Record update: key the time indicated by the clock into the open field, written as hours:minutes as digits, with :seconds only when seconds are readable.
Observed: 6:43
